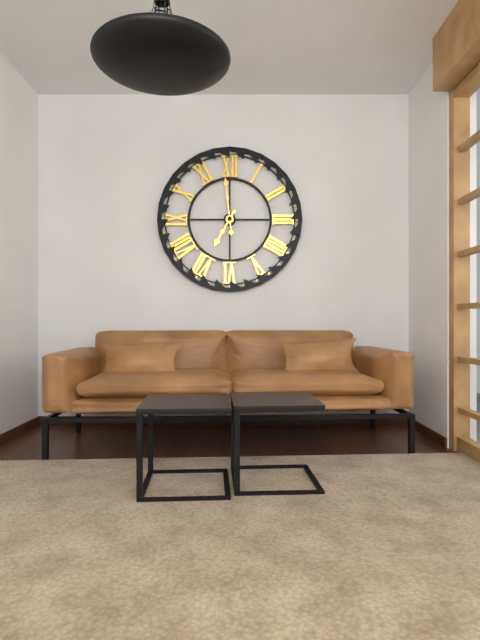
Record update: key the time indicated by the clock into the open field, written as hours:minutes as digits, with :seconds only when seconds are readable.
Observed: 6:59
